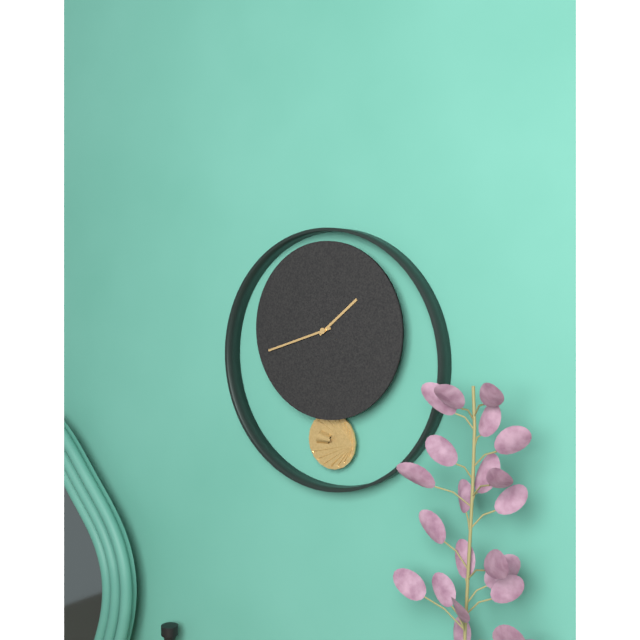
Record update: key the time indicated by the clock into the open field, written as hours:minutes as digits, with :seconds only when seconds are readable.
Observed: 1:42
